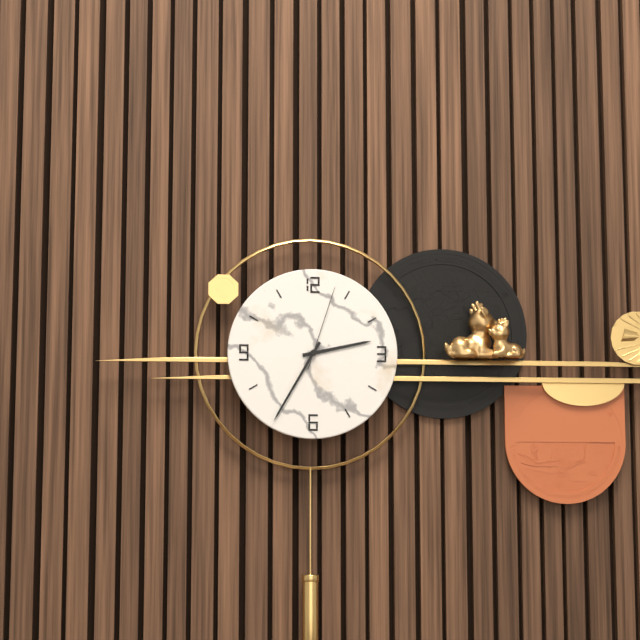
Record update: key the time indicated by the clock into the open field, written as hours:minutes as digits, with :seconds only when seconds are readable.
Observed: 2:35:03
